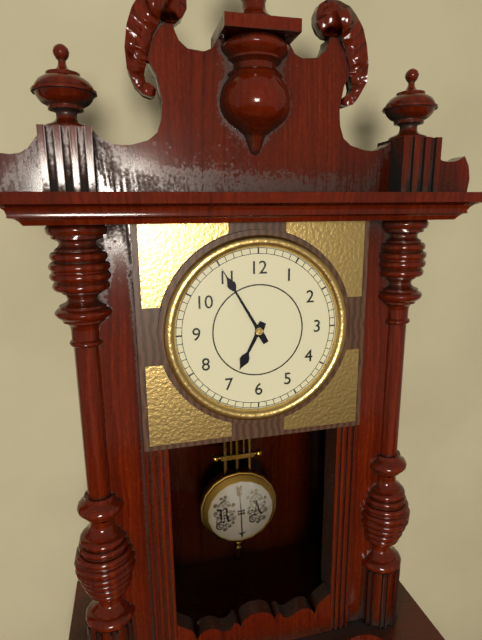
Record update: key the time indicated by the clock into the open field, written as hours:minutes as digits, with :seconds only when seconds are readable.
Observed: 6:55
